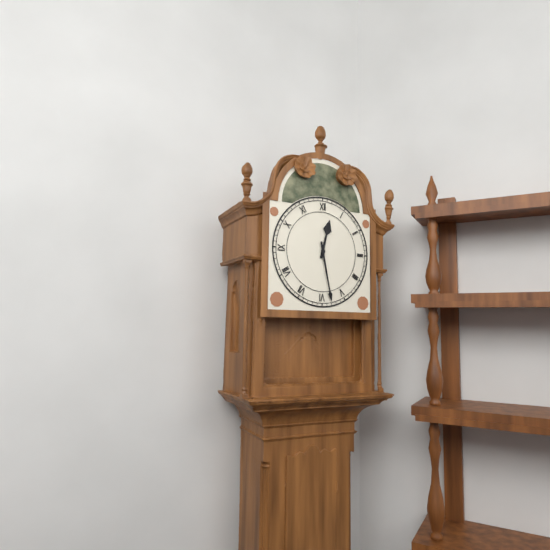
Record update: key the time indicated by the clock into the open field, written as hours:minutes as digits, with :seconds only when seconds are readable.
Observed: 12:28
